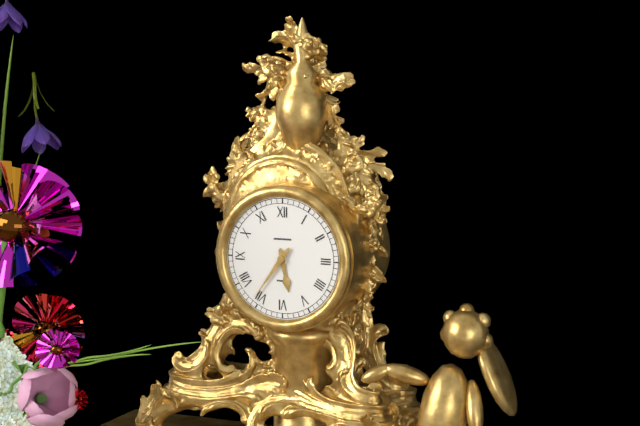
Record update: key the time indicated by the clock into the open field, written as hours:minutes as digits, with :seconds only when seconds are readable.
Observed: 5:36
